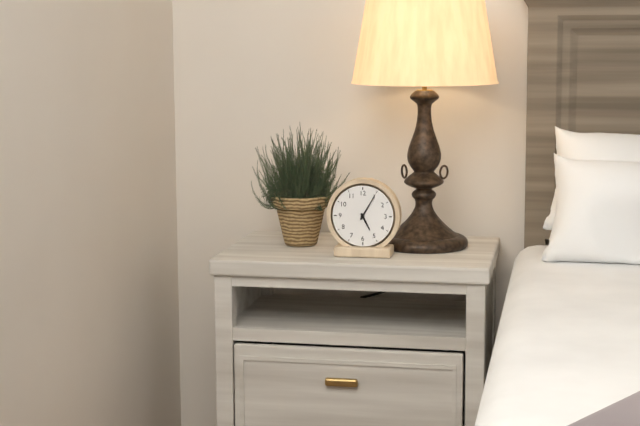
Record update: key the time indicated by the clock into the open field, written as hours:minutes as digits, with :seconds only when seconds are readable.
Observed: 5:05
